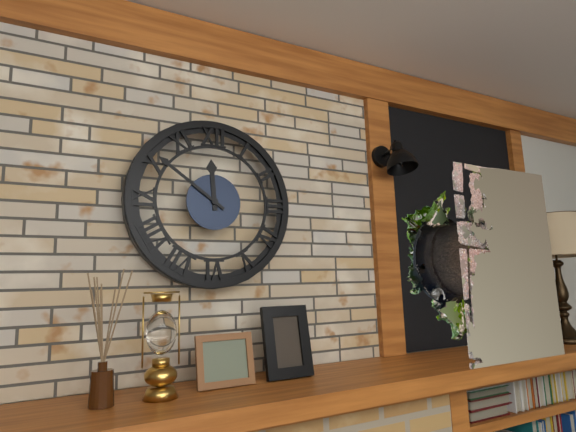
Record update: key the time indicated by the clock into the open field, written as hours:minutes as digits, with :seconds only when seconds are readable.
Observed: 11:51
